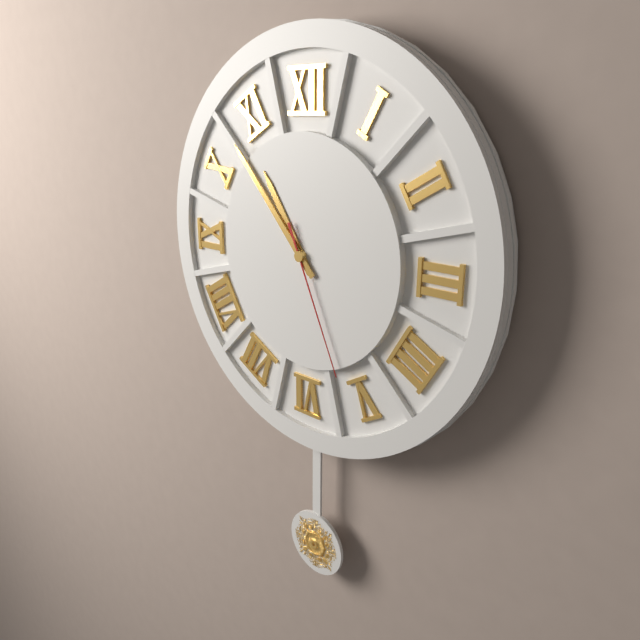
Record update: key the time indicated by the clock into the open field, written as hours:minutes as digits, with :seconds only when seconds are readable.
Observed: 10:53:26
